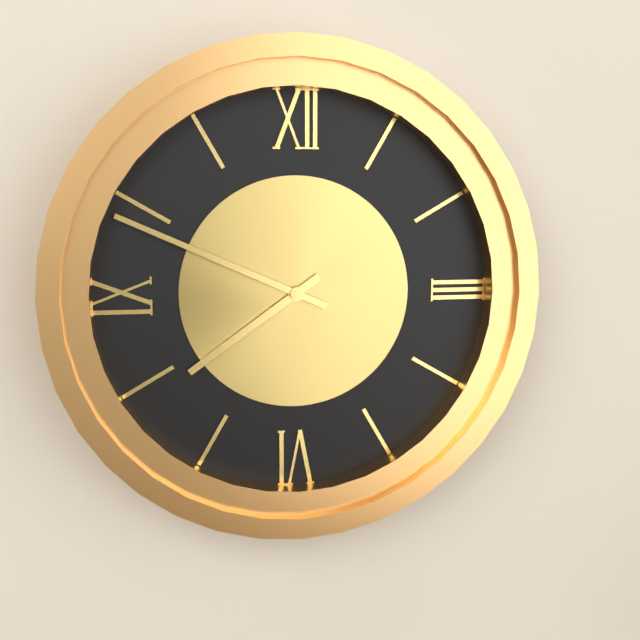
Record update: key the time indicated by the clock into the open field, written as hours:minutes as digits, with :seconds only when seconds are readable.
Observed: 7:49
